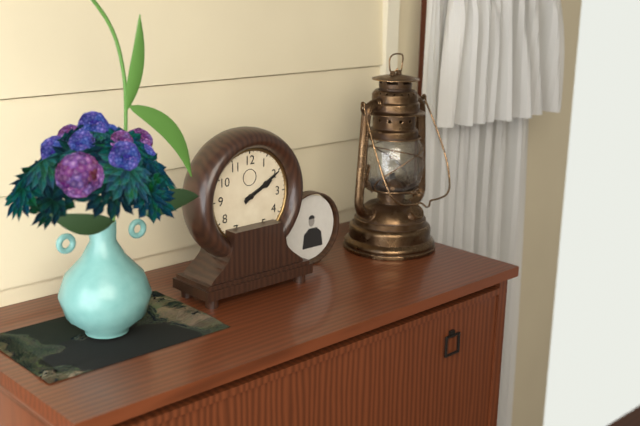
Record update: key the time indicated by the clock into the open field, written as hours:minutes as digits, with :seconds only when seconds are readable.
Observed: 2:10
